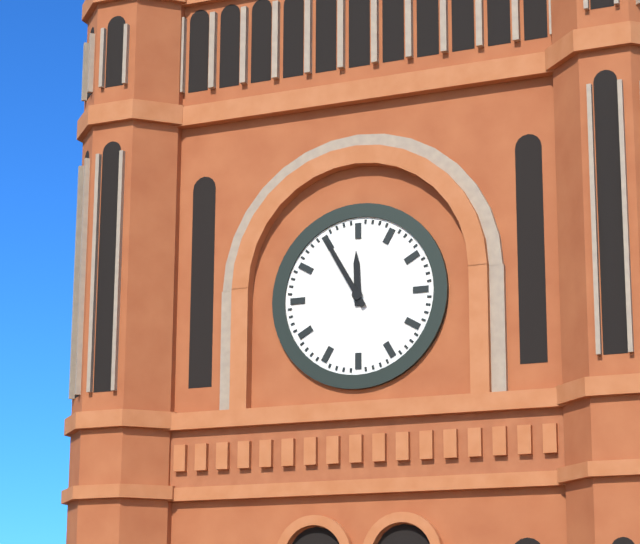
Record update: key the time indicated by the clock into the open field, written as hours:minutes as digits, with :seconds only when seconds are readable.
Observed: 11:55
